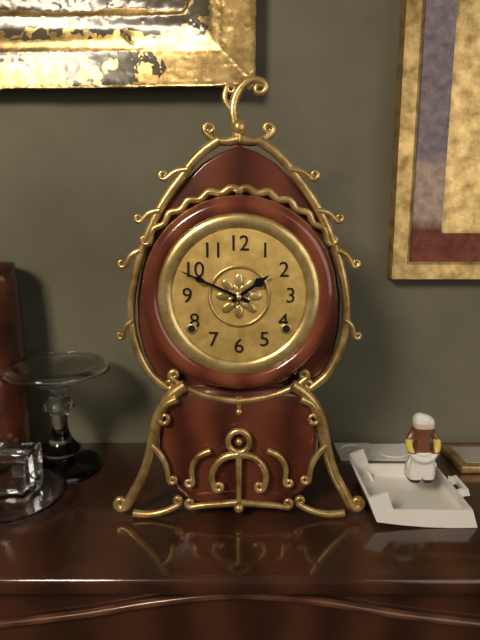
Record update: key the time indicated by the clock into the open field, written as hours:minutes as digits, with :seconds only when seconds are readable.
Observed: 1:49
